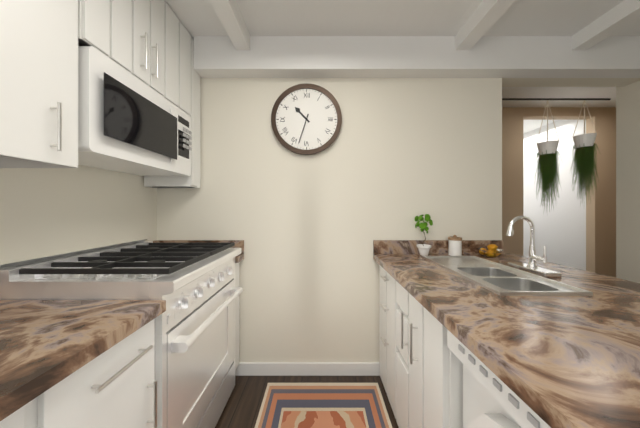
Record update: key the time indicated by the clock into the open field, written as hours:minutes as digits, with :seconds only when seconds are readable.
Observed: 10:33
